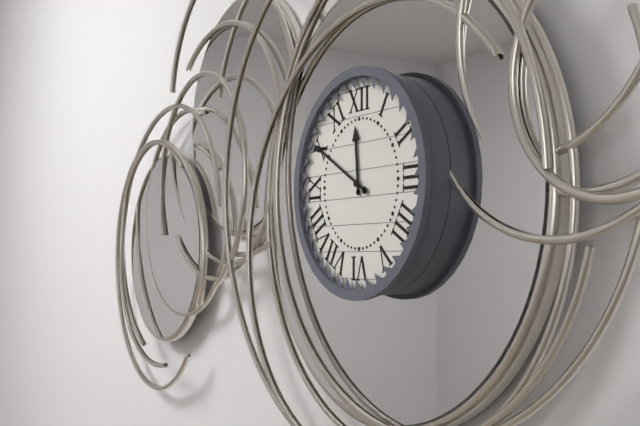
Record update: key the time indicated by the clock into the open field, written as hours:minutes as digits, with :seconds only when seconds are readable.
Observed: 11:50
